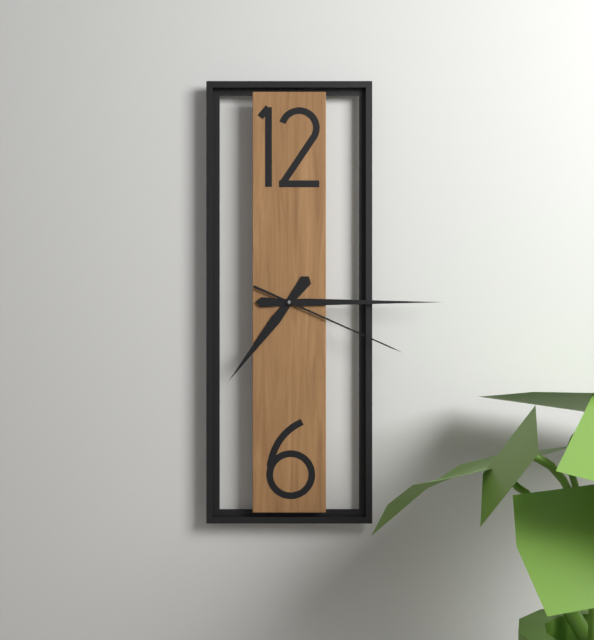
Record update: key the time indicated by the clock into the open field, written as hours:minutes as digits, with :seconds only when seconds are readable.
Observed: 7:15:19
